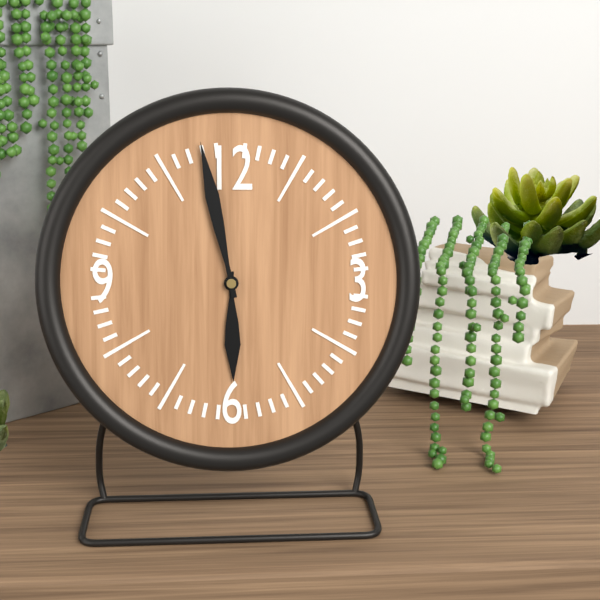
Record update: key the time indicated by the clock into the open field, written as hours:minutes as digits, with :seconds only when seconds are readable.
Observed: 5:58
